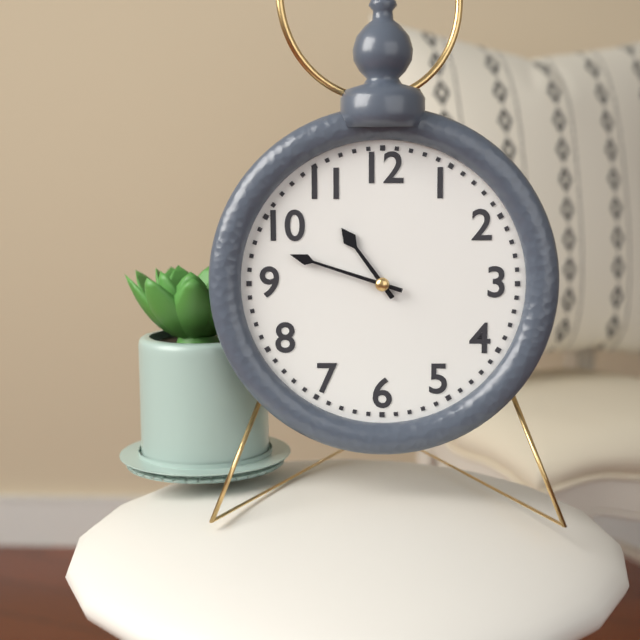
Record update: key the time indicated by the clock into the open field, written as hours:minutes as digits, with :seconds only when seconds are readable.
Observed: 10:48
